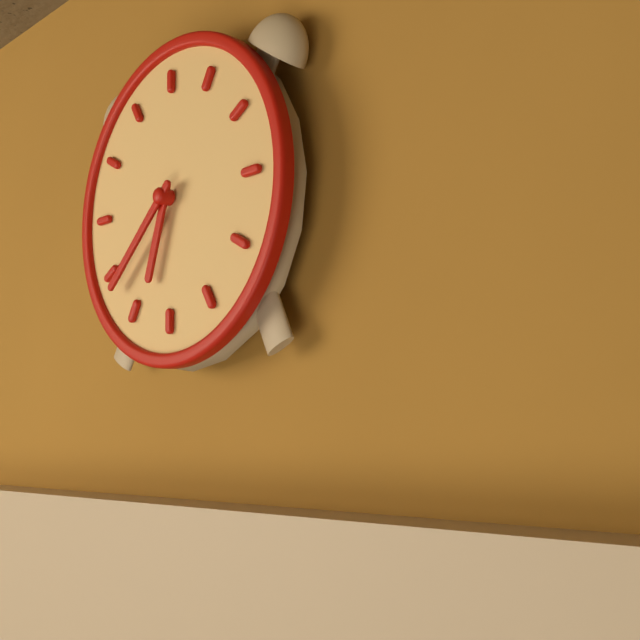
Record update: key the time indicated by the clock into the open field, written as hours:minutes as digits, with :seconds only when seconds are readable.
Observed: 6:38
